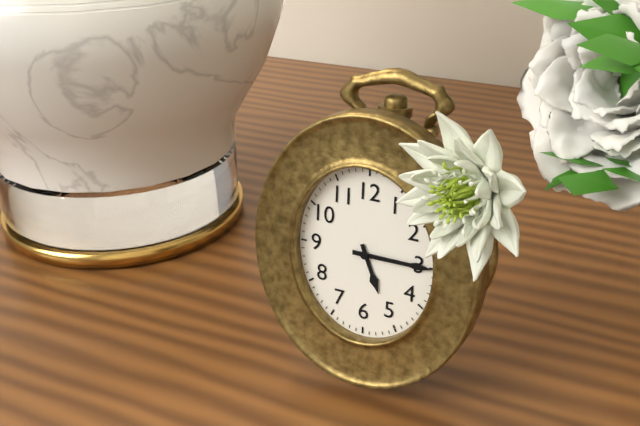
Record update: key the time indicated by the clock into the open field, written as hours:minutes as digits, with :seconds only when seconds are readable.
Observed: 5:15
